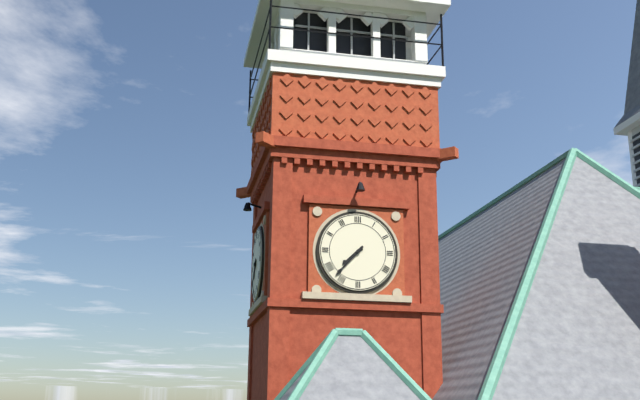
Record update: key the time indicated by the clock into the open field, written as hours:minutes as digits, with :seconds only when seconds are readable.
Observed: 7:37
